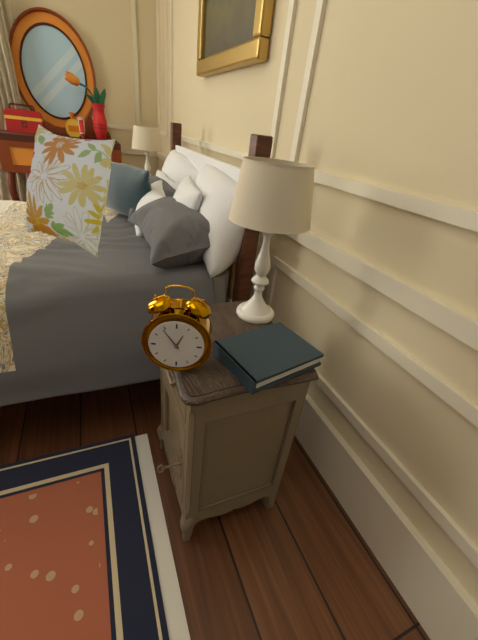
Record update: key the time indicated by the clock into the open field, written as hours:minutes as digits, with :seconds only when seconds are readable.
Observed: 12:54
